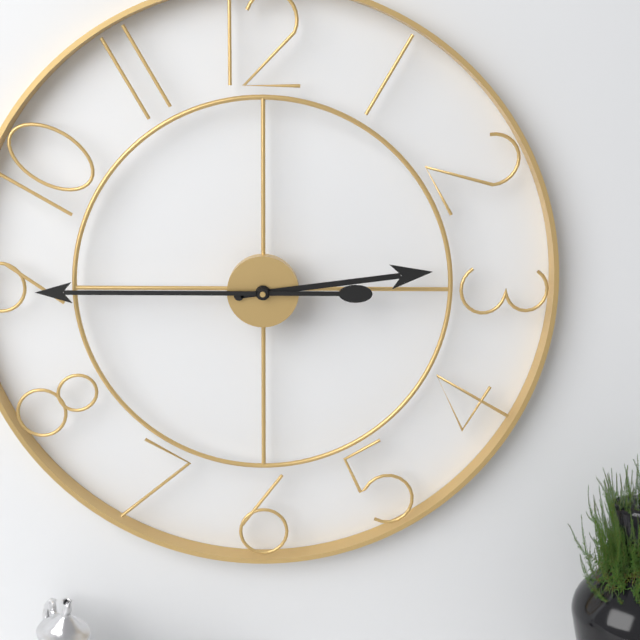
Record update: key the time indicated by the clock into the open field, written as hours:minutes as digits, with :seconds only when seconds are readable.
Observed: 2:45
